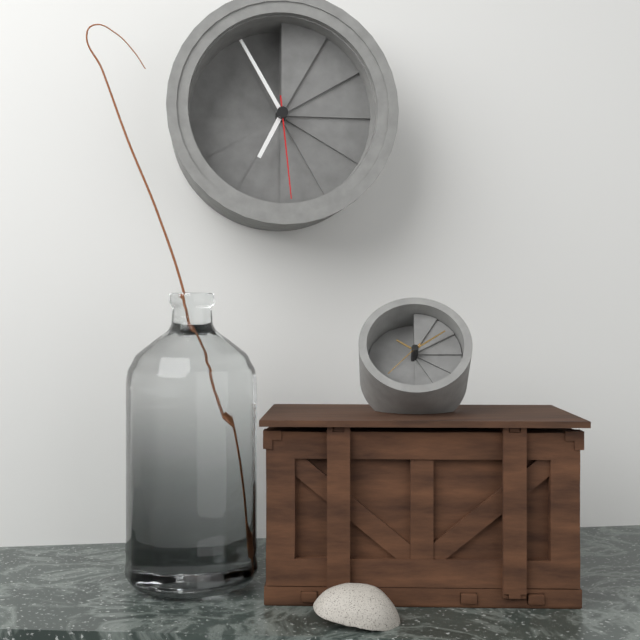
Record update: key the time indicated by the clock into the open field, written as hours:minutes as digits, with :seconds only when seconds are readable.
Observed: 6:55:29
